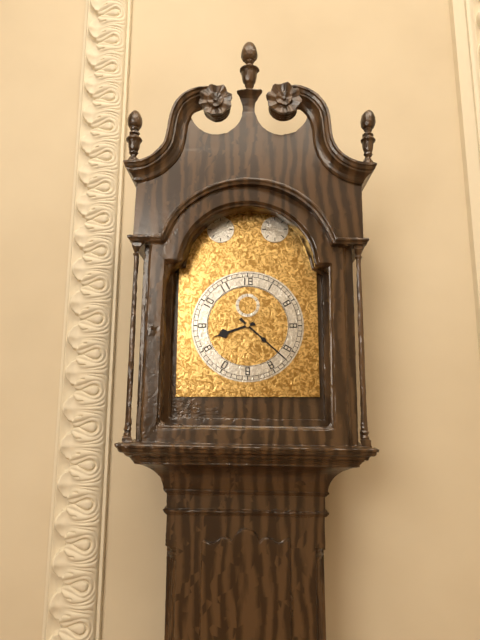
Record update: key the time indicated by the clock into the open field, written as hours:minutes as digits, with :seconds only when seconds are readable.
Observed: 8:22
